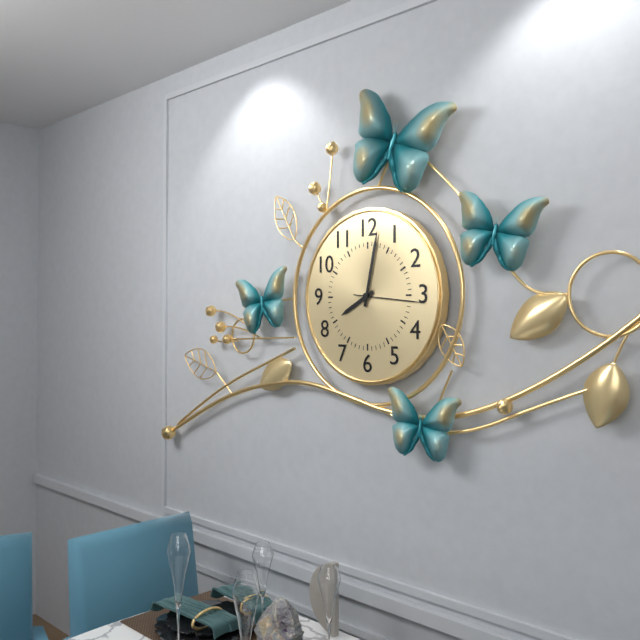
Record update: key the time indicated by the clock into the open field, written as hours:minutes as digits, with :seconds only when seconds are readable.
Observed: 8:02:16
